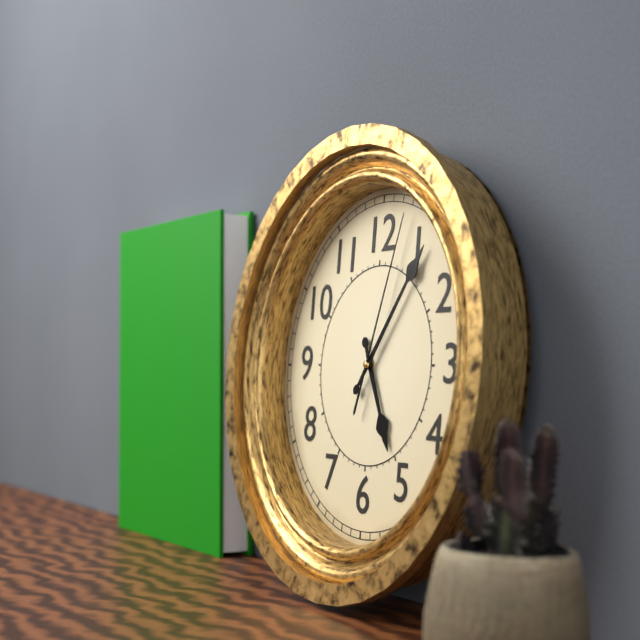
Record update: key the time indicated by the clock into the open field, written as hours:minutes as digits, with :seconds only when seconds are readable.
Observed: 5:06:03
